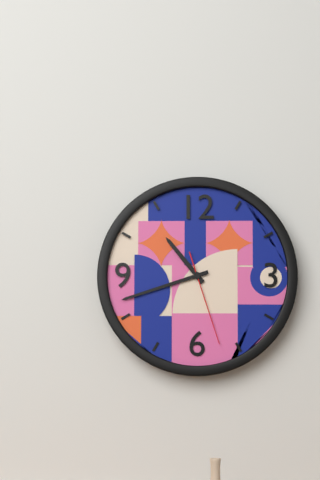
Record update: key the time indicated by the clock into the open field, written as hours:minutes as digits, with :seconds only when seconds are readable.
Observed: 10:42:27
